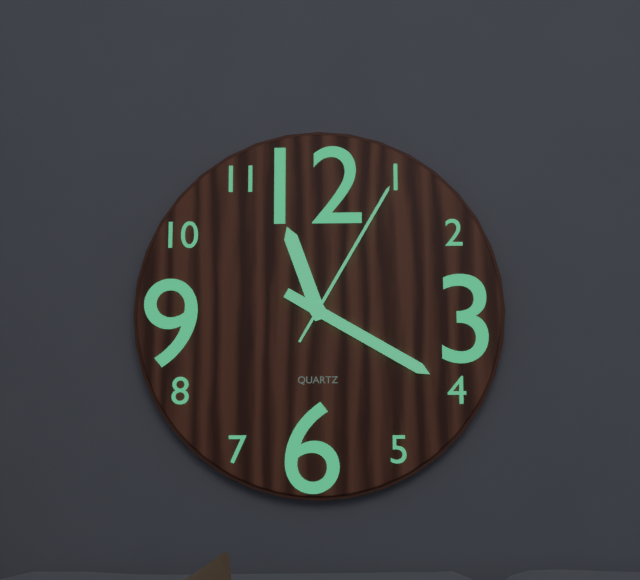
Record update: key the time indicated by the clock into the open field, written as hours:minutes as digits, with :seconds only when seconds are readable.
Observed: 11:20:05
